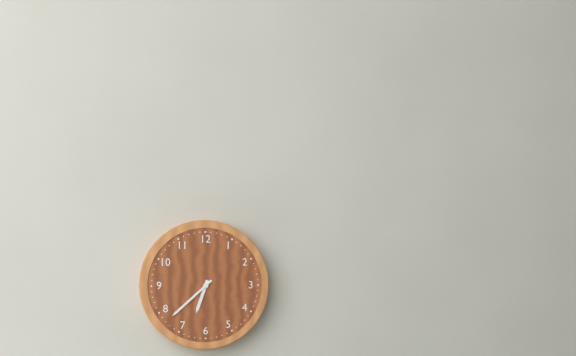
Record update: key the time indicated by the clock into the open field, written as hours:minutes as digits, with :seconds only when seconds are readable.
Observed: 6:38
